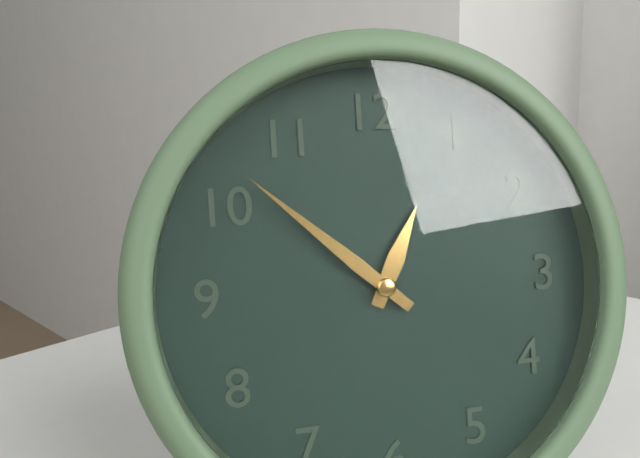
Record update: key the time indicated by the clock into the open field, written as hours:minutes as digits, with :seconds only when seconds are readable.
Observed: 12:52
